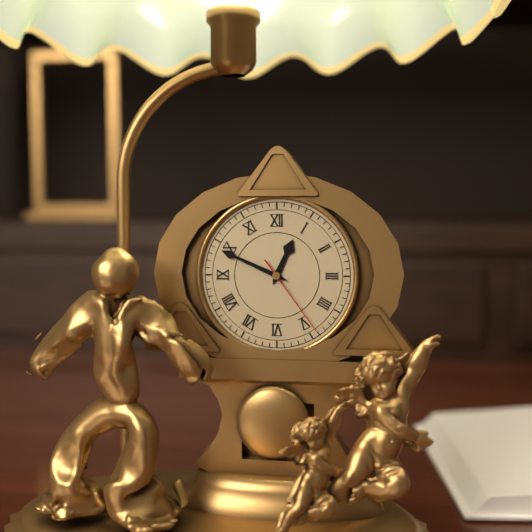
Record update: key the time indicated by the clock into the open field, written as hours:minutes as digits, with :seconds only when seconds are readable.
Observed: 12:49:24
